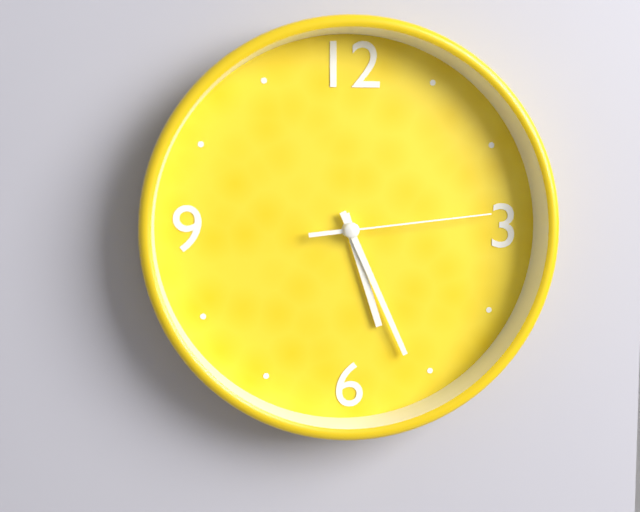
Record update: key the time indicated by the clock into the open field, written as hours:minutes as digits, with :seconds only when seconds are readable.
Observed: 5:26:14
